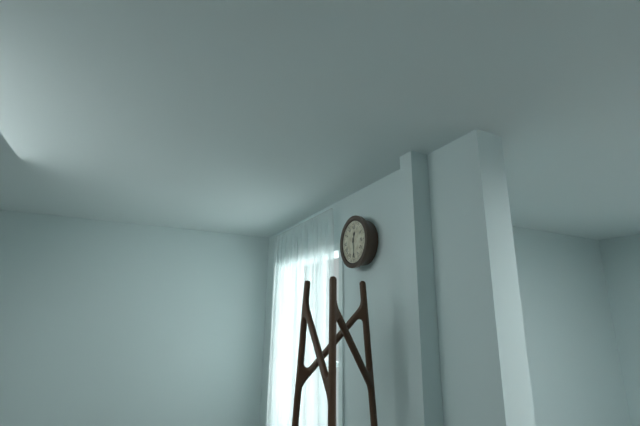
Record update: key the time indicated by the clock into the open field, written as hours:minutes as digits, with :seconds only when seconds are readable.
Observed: 12:29
